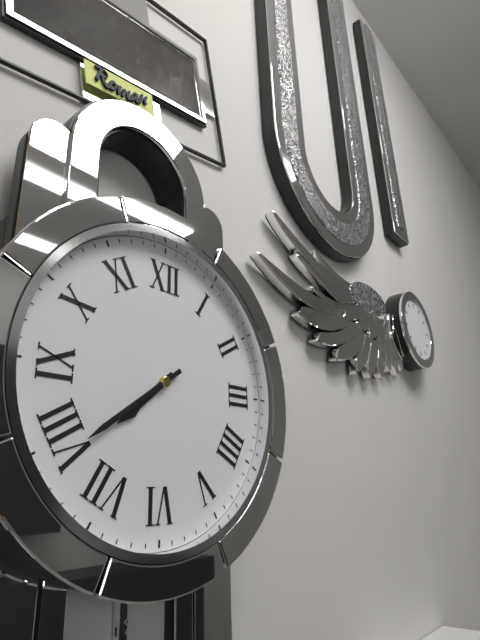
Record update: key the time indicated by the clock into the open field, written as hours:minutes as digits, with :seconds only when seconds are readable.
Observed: 7:39
